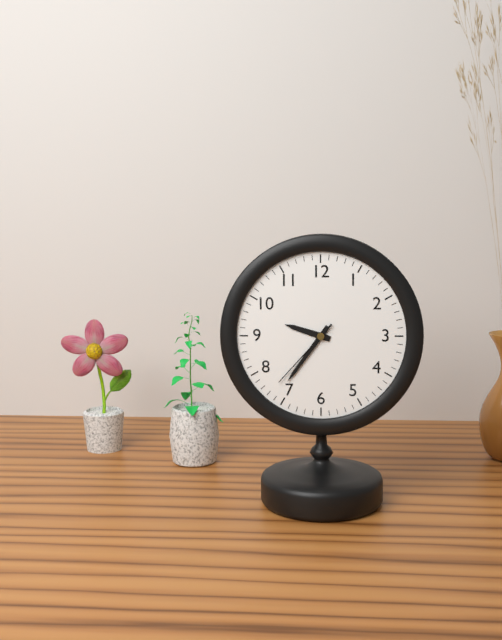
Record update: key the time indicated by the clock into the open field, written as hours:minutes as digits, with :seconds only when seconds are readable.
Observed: 9:36:37
